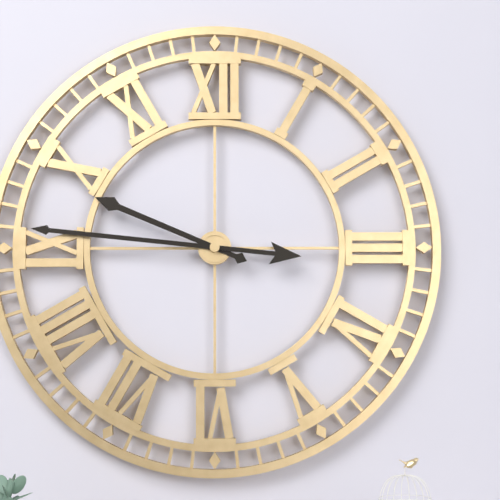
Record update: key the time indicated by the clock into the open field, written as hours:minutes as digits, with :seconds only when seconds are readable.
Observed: 9:46
